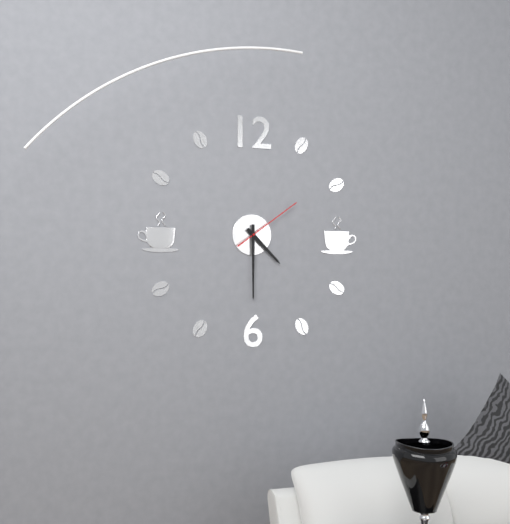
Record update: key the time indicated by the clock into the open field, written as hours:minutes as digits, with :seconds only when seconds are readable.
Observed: 4:30:09
